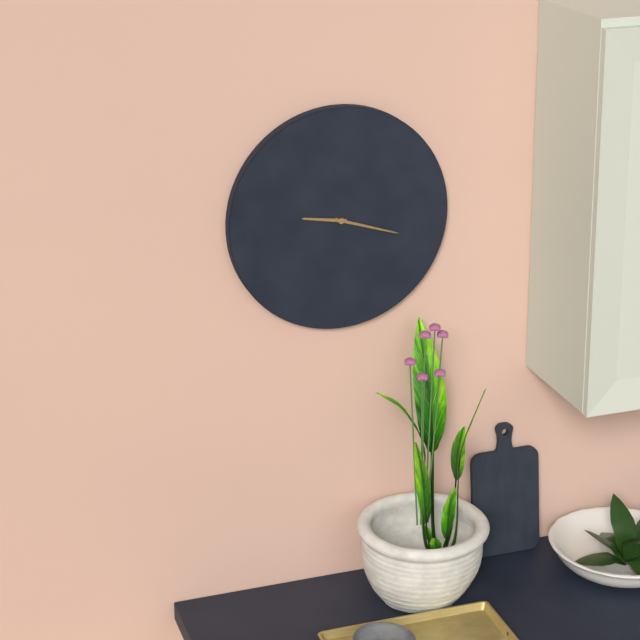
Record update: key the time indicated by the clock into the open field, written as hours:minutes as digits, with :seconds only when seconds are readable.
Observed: 9:18
